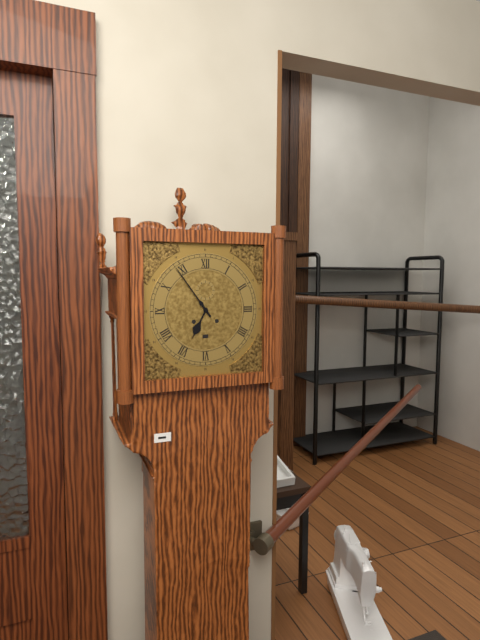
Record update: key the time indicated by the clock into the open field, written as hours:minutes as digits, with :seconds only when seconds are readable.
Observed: 6:54
